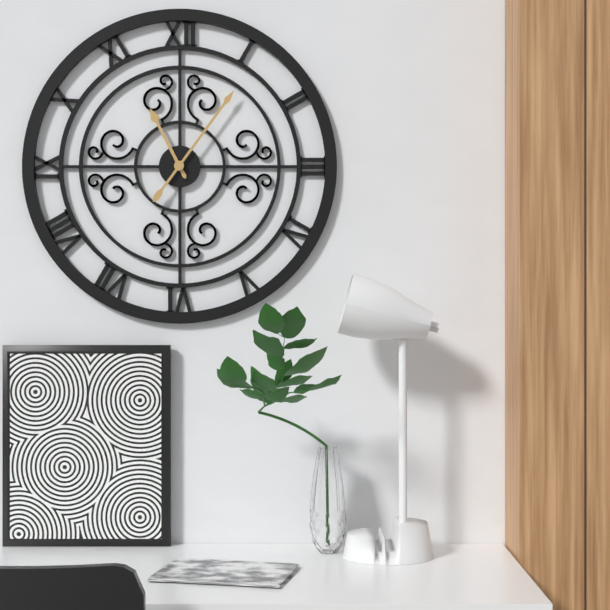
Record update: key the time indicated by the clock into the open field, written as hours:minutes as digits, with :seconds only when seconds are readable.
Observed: 11:06
